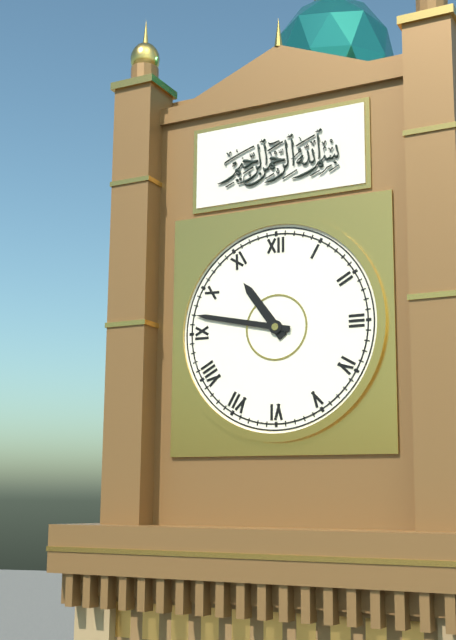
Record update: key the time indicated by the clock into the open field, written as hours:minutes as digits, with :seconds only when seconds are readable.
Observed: 10:47
